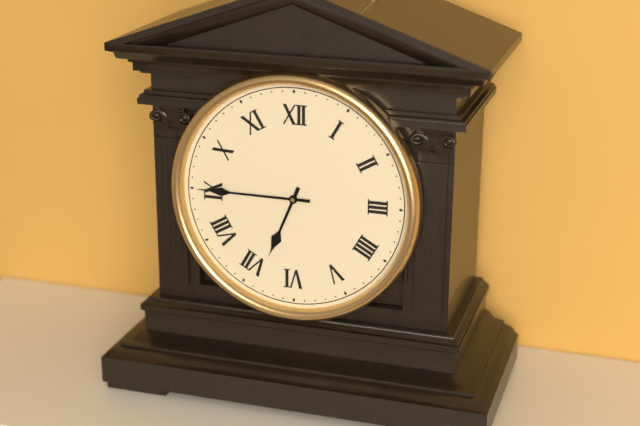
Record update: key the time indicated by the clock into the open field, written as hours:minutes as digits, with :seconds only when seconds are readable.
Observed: 6:45
